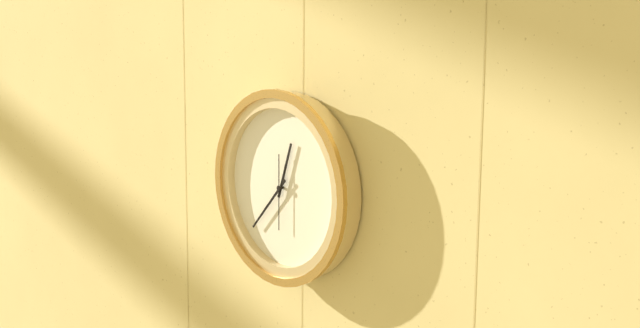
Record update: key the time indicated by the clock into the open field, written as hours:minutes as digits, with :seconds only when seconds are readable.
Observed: 12:37:30
